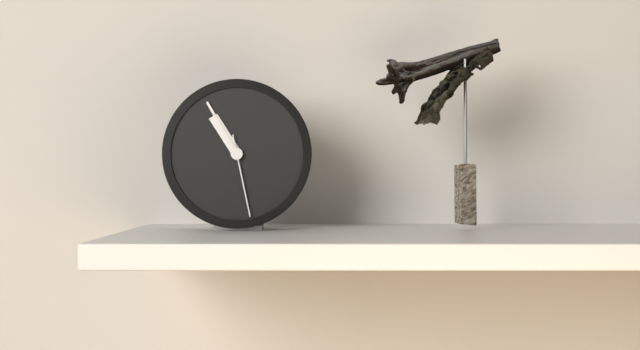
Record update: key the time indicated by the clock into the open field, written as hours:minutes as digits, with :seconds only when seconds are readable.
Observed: 10:55:28
